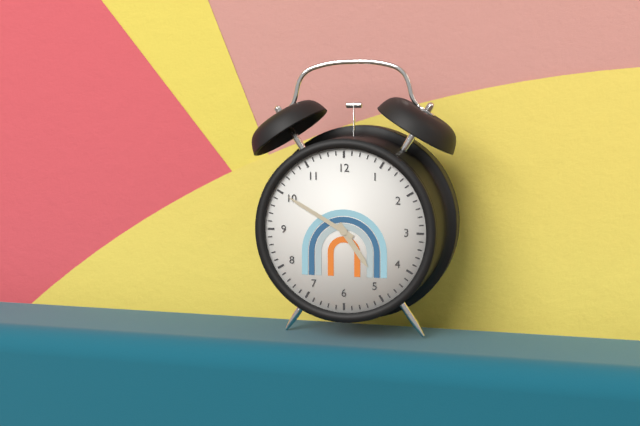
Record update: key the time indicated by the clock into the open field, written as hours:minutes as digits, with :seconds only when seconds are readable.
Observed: 4:50
